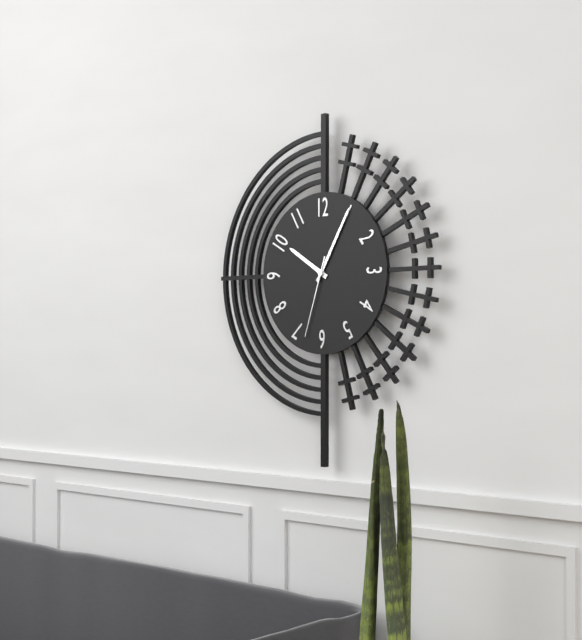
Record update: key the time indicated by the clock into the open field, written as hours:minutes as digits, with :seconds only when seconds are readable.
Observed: 10:05:33
